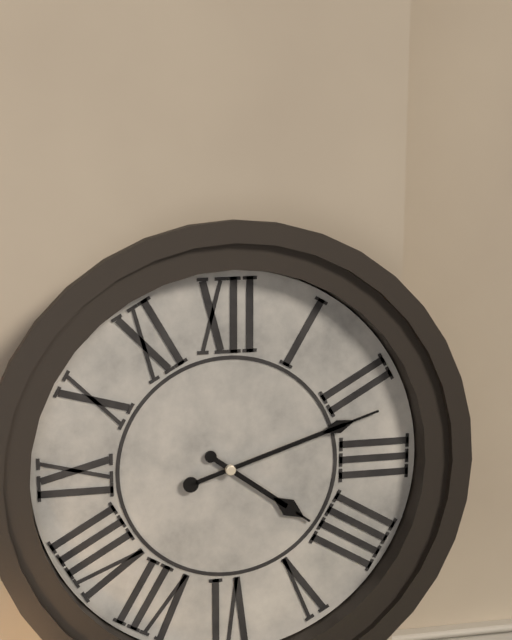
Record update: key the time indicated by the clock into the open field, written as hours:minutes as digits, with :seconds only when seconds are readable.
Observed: 4:12
